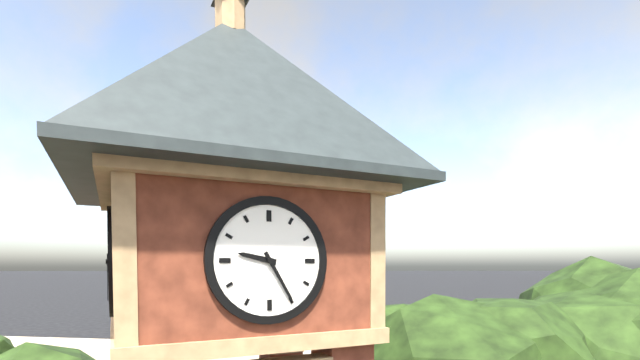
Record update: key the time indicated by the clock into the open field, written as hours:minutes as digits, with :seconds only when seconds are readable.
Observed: 9:25
